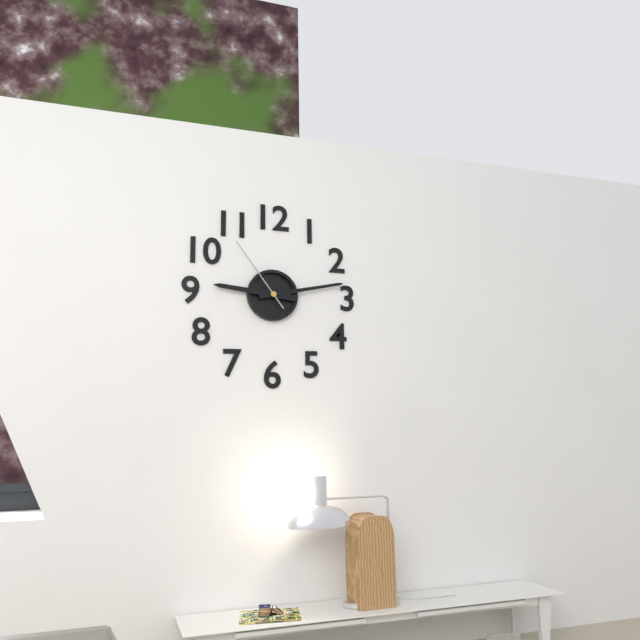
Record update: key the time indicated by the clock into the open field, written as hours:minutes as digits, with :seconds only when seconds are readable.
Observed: 9:13:54
